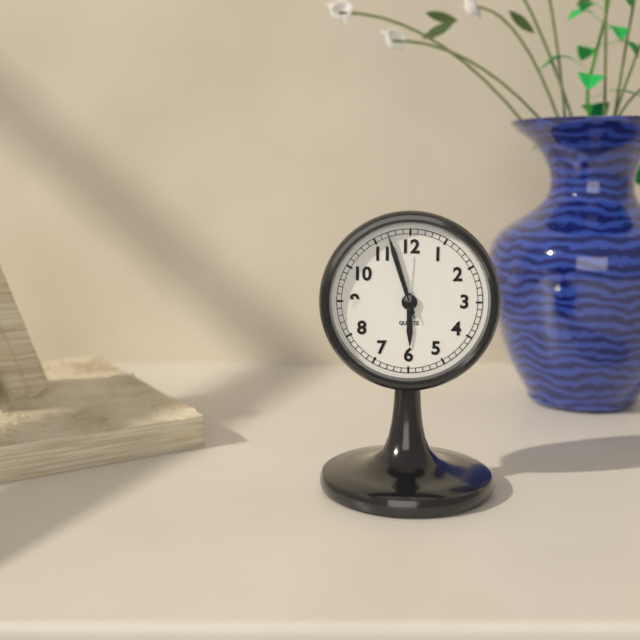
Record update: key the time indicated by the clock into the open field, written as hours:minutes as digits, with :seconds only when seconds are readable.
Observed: 5:57:57
